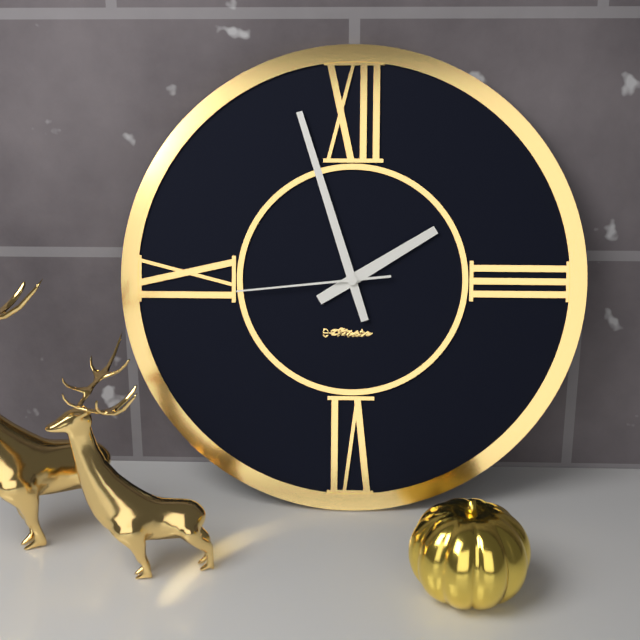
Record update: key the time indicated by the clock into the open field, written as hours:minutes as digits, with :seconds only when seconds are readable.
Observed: 1:57:44
